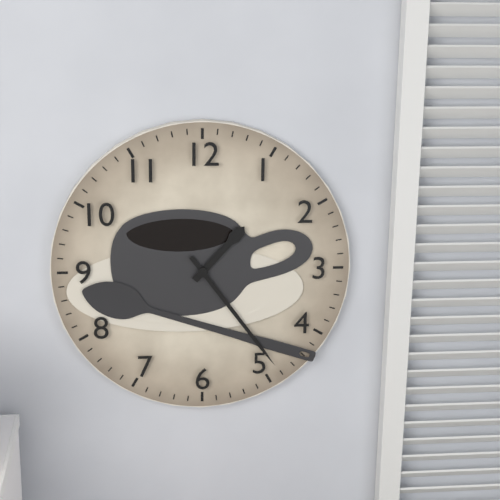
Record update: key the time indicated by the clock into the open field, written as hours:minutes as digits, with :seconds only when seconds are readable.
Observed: 1:24
